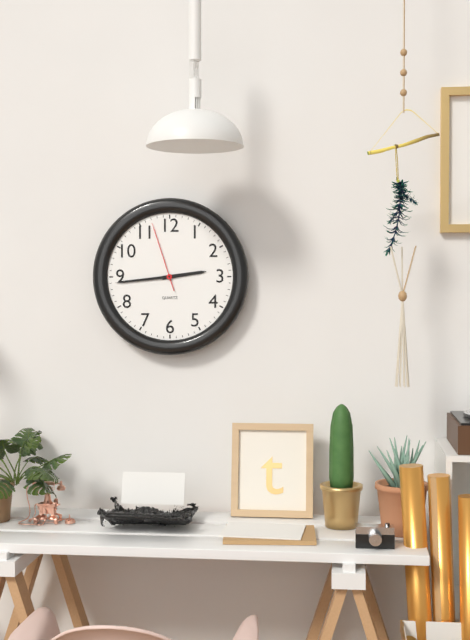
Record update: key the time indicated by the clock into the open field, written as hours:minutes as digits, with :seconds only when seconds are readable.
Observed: 2:44:57
